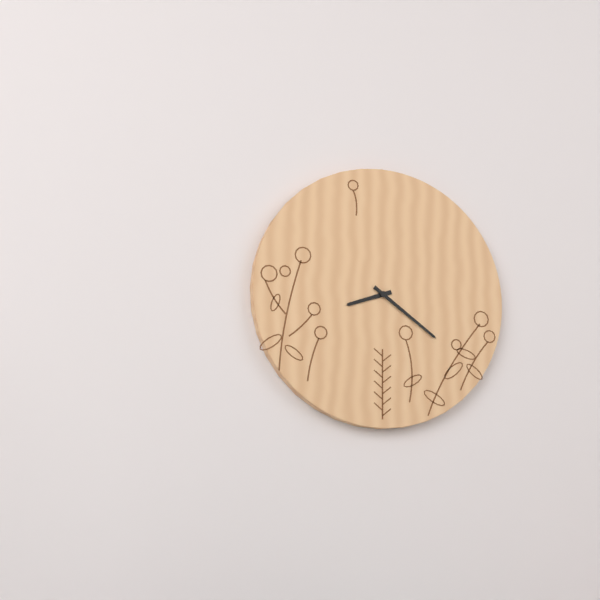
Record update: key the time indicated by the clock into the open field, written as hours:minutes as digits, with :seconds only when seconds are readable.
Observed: 8:21
